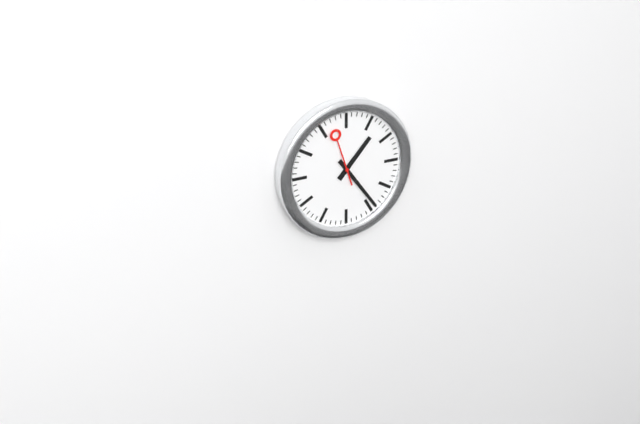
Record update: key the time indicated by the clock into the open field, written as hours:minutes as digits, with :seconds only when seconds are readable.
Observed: 1:24
